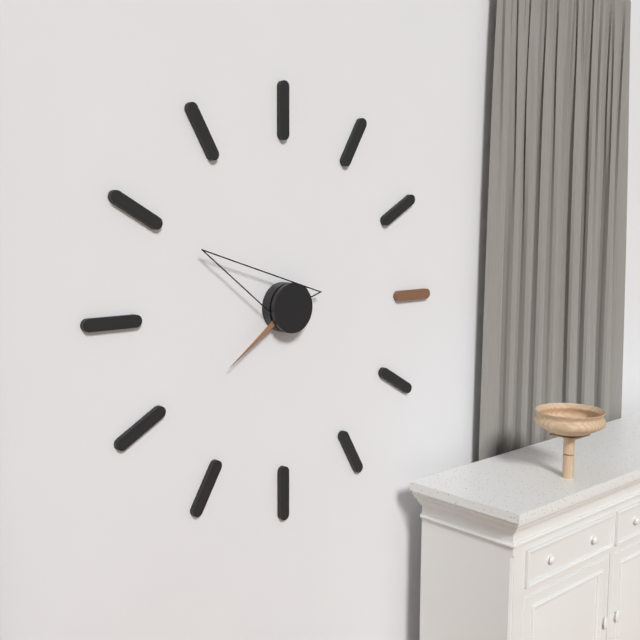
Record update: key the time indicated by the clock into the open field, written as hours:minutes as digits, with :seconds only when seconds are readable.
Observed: 7:50
